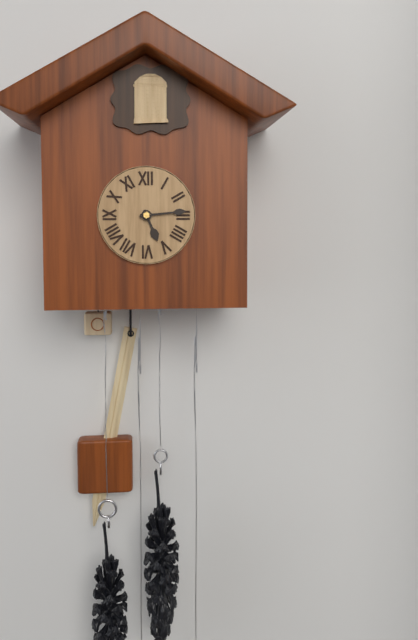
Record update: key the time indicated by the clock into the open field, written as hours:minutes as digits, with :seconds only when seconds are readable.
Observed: 5:14
